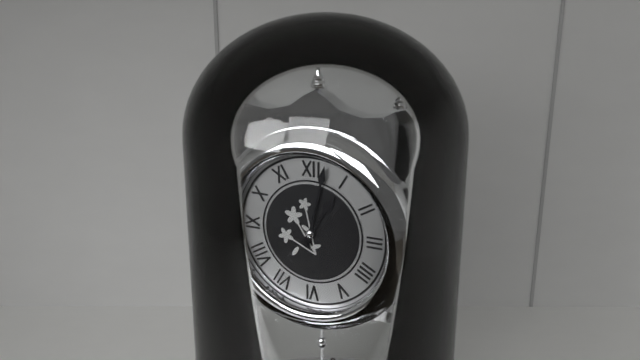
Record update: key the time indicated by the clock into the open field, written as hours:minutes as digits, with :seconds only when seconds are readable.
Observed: 1:02
